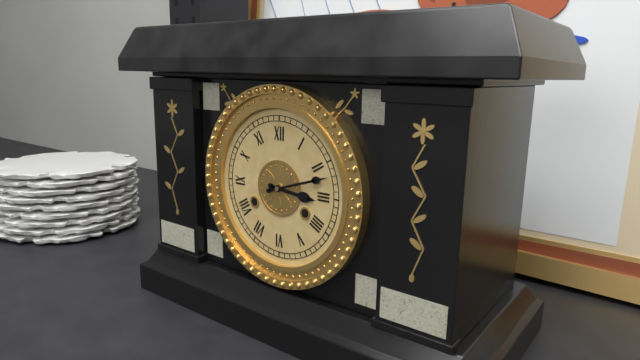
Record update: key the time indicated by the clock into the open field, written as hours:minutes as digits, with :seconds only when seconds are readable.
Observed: 3:12
